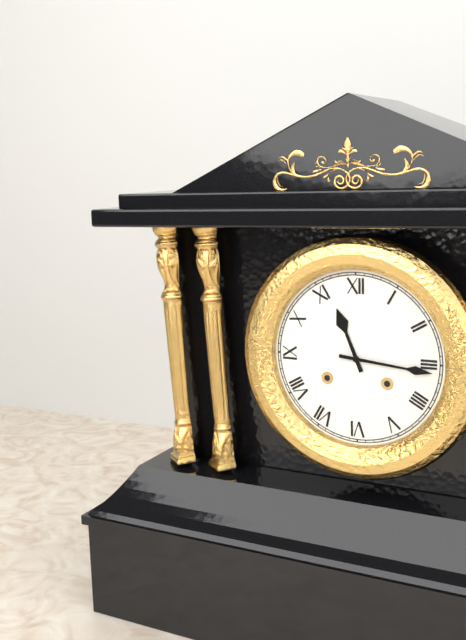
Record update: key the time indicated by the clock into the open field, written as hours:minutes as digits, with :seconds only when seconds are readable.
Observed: 11:16
